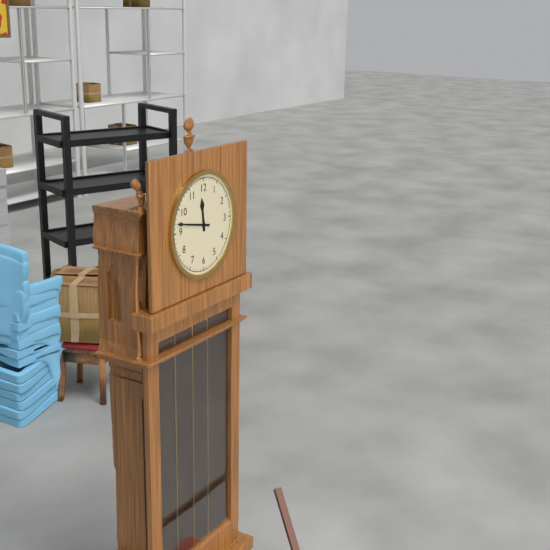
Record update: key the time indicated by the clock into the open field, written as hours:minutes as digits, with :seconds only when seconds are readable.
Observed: 11:47
